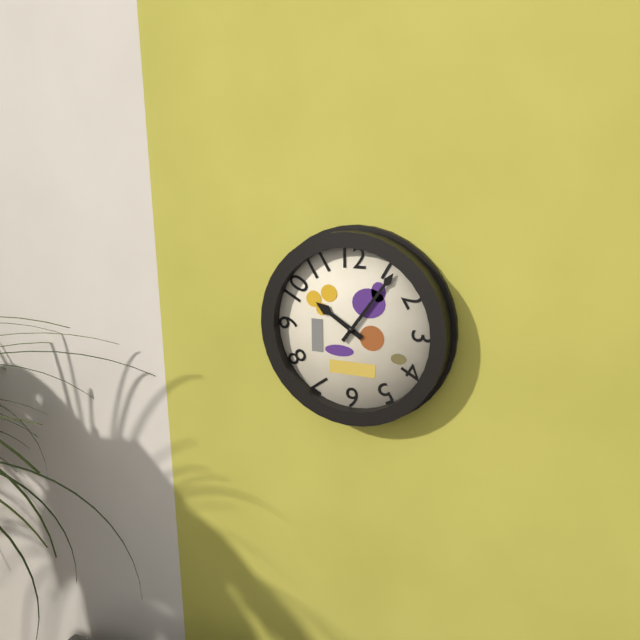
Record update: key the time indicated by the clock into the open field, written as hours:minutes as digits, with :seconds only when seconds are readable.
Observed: 10:06
